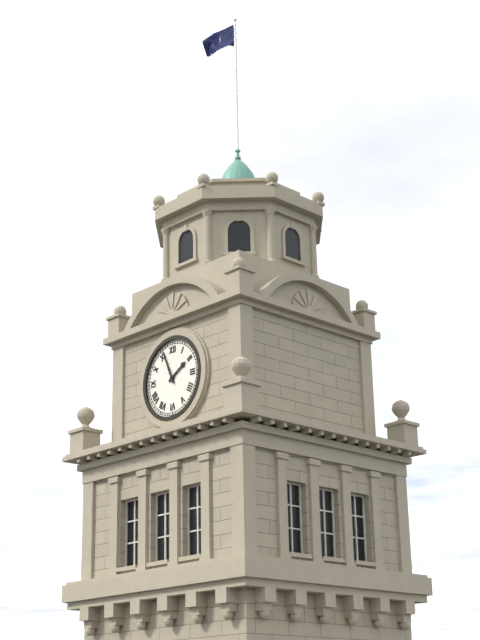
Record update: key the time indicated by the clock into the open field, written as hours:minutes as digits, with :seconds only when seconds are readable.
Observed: 1:56
